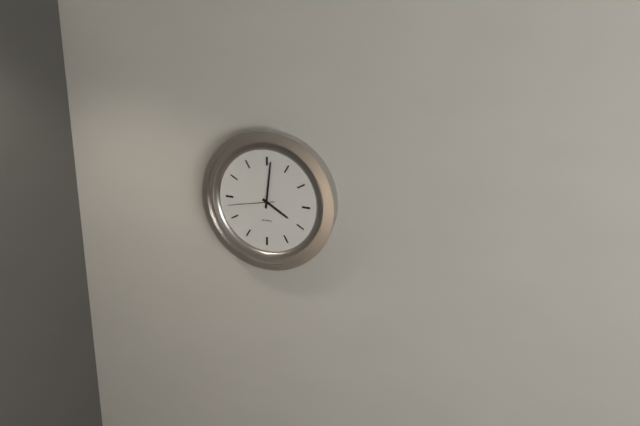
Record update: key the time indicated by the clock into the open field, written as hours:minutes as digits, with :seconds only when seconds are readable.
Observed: 4:01
